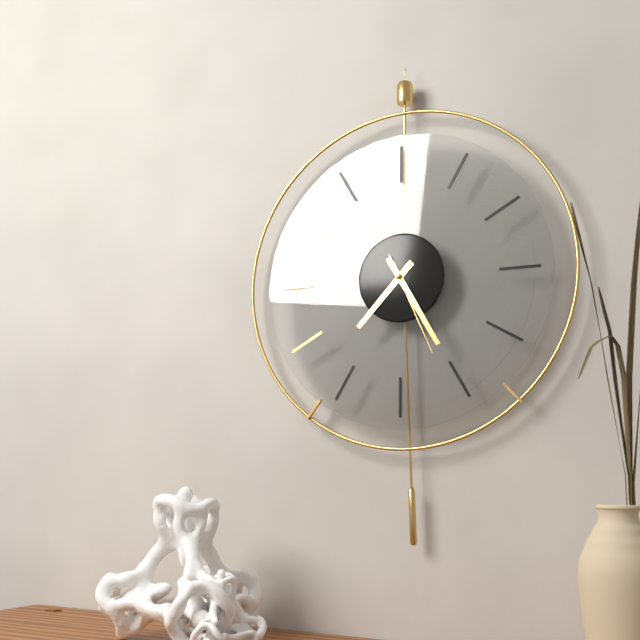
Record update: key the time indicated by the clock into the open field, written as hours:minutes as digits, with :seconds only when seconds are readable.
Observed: 7:25:26
